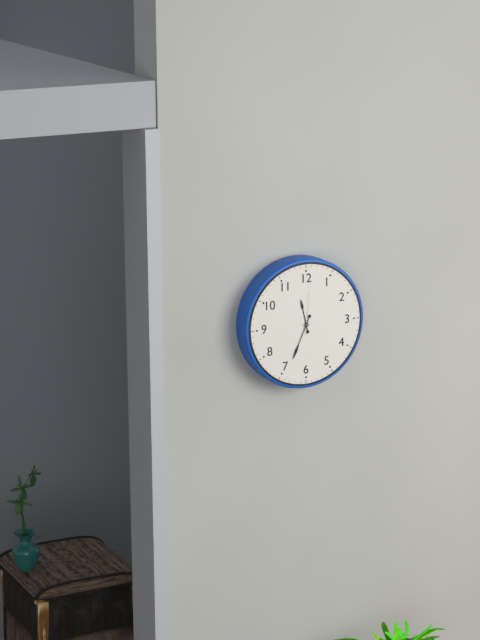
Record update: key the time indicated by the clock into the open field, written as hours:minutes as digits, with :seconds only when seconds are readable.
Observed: 11:34:01
